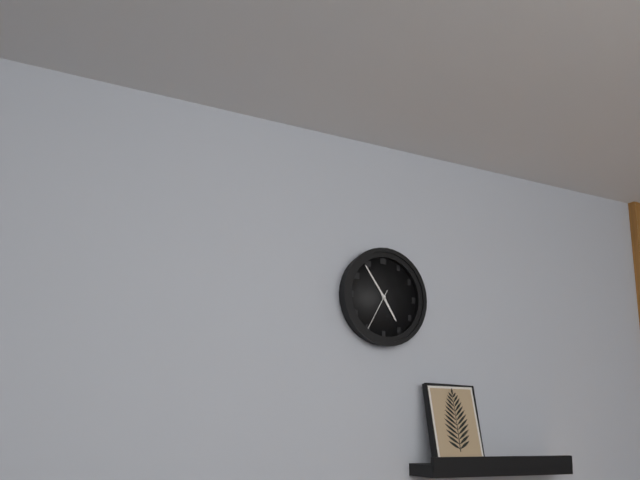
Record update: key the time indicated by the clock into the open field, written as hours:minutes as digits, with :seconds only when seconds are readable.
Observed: 4:54
